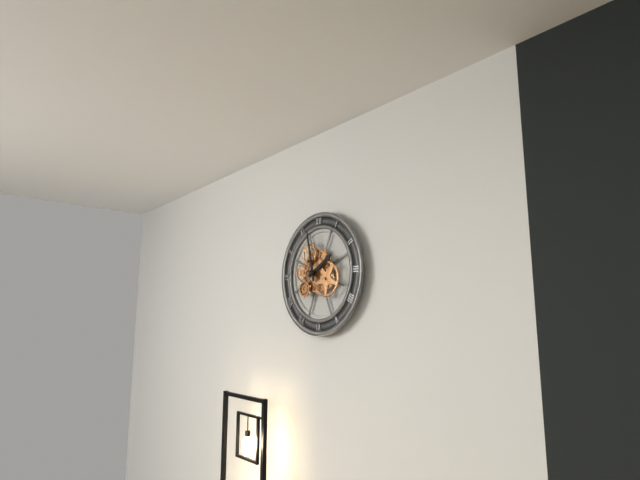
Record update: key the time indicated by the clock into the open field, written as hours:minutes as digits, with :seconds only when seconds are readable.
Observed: 1:58
